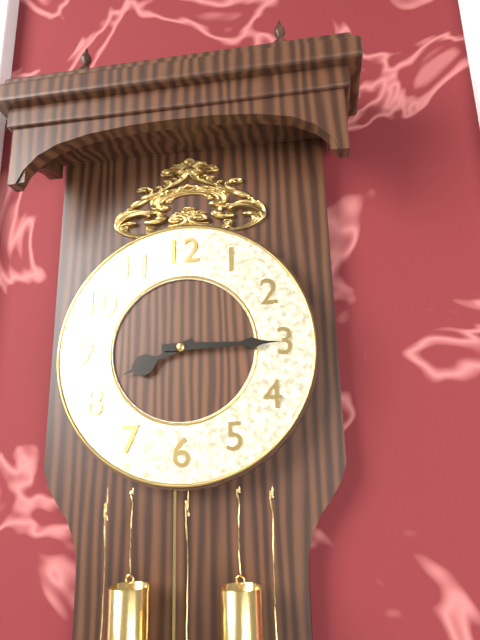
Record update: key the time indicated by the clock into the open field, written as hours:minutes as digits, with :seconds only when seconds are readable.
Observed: 8:15
